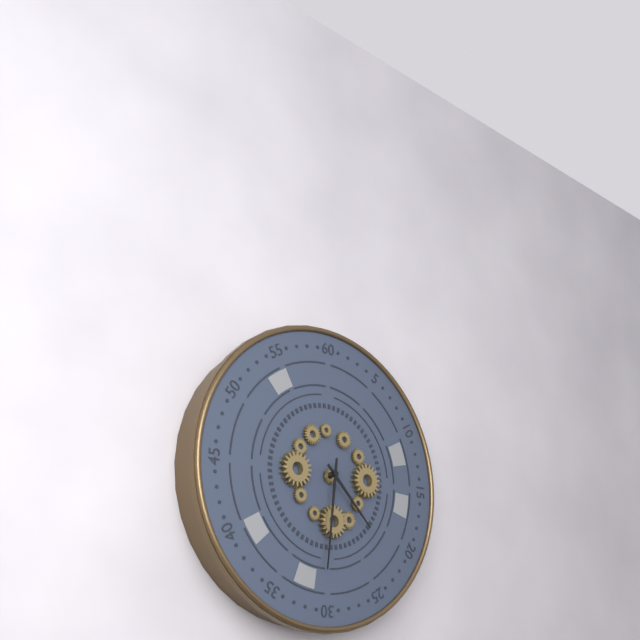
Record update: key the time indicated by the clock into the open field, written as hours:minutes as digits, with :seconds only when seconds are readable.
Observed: 4:31
